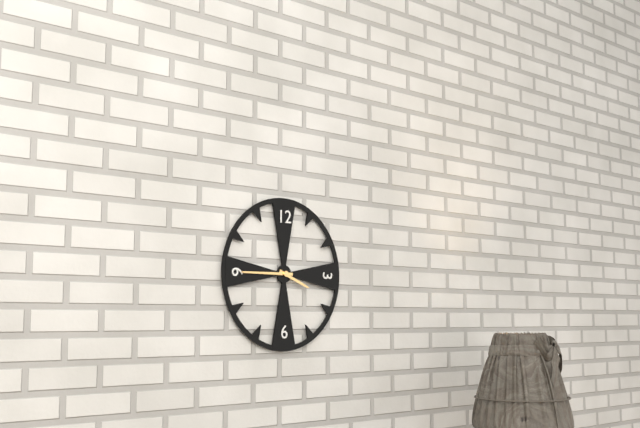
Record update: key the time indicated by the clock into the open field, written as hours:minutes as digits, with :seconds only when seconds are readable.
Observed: 3:45
